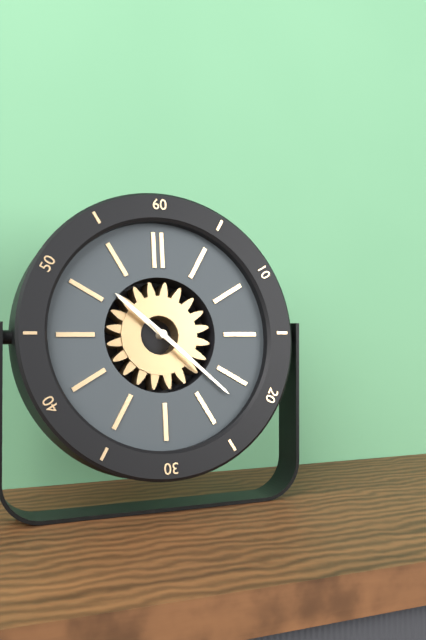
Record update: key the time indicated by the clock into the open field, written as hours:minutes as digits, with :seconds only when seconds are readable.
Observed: 10:22
